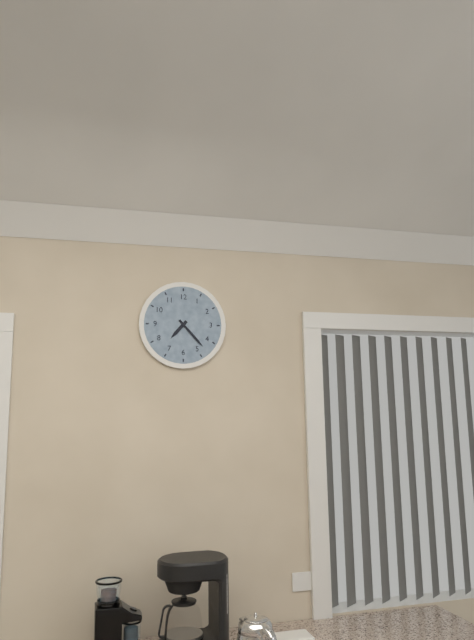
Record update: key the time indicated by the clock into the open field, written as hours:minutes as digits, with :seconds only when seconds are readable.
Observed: 7:23
